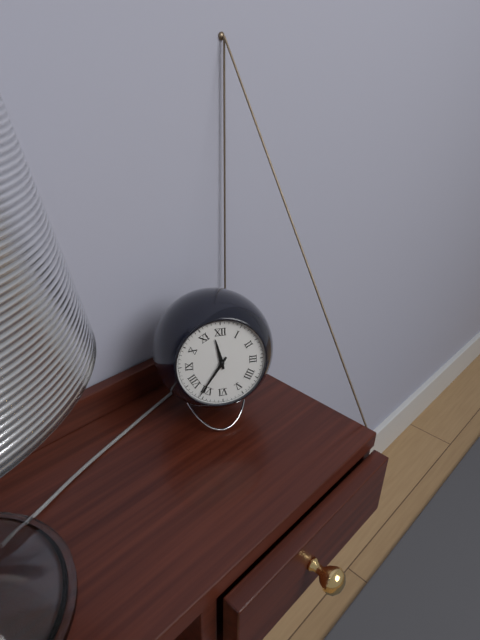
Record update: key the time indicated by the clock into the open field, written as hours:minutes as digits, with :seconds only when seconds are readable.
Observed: 11:36
